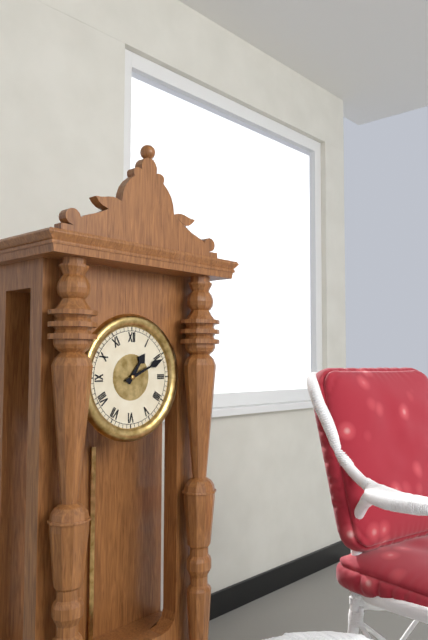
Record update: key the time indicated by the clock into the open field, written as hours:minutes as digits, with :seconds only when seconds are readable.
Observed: 1:11
